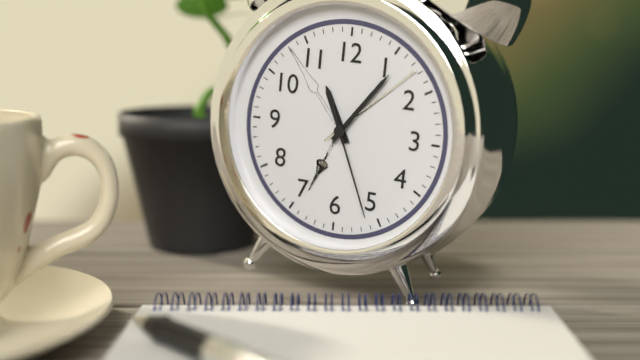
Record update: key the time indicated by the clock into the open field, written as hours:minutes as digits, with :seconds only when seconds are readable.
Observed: 11:06:26
